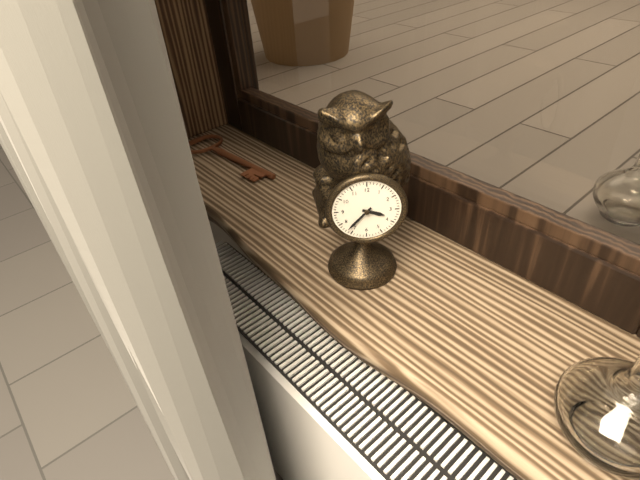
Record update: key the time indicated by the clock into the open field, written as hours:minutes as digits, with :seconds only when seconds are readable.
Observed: 3:37
